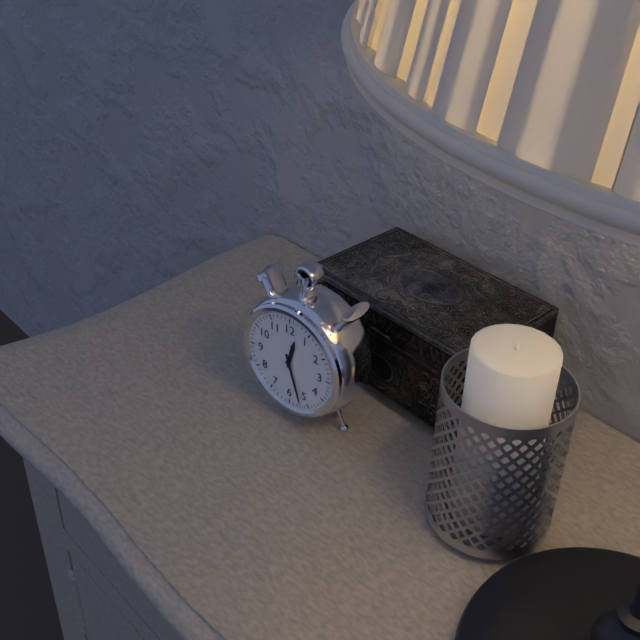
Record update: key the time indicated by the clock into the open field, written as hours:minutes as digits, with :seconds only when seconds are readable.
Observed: 12:27
